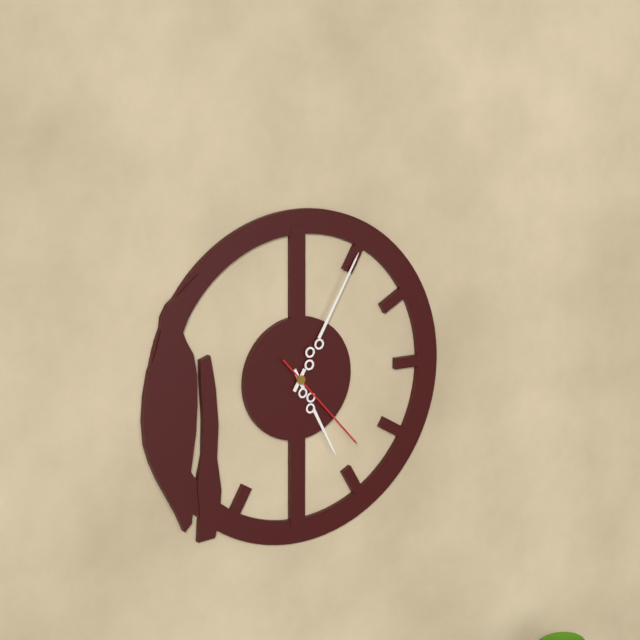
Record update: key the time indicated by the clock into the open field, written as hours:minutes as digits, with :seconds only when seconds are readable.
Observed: 5:05:23
